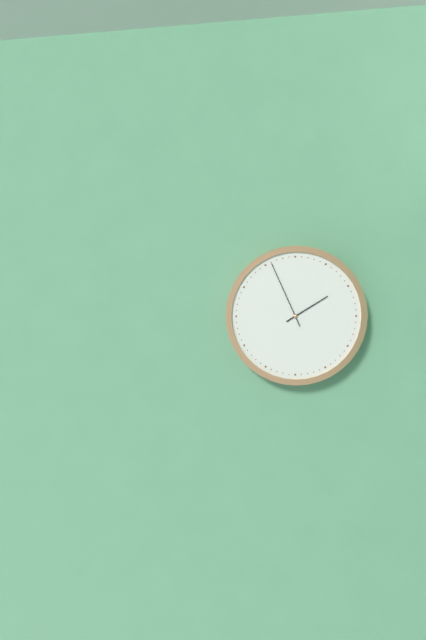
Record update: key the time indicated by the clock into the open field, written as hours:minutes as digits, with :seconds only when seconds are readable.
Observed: 1:56
